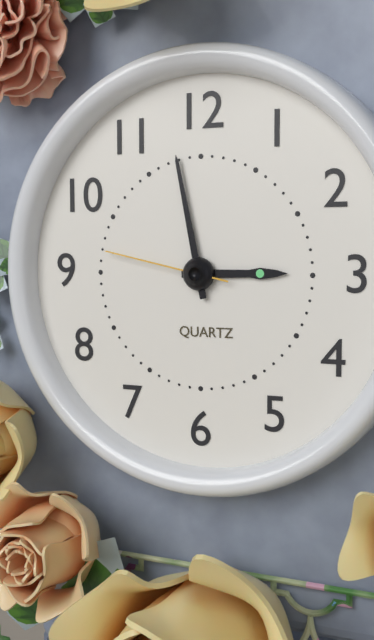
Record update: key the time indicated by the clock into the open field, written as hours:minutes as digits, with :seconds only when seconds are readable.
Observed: 2:58:47
